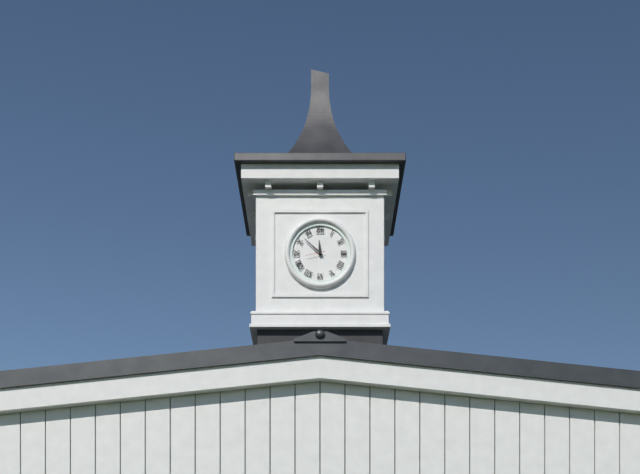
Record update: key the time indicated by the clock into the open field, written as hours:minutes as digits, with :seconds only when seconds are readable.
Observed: 11:52
